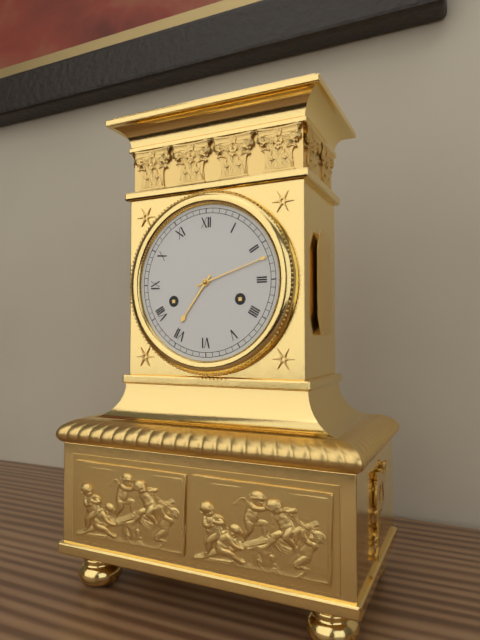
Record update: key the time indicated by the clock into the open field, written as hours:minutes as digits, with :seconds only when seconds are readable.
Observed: 7:12
